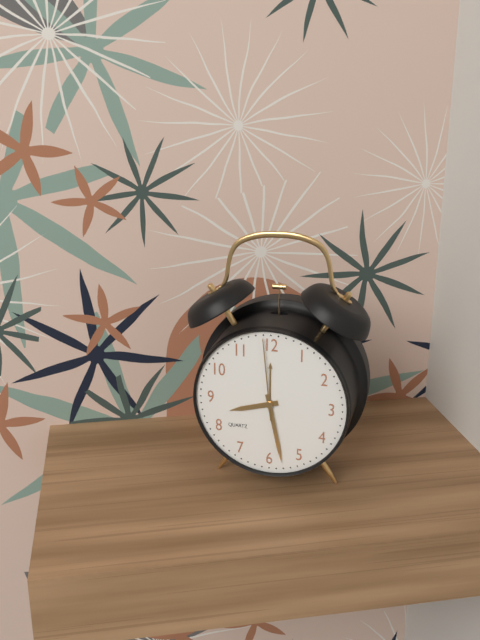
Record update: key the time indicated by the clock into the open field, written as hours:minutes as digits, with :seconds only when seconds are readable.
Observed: 8:28:59
